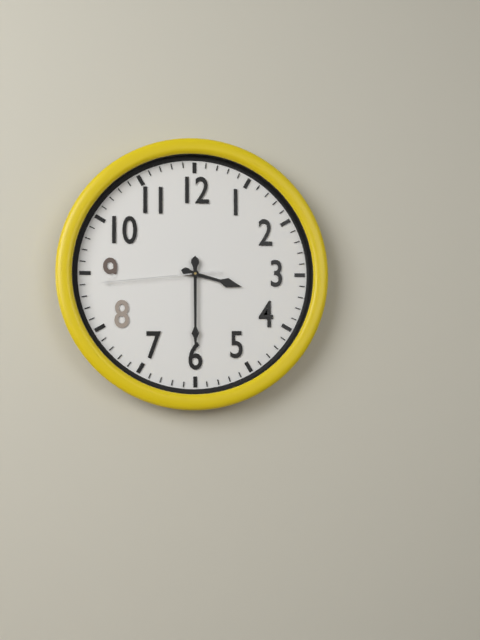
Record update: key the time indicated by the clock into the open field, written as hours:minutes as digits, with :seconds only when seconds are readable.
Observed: 3:30:44
